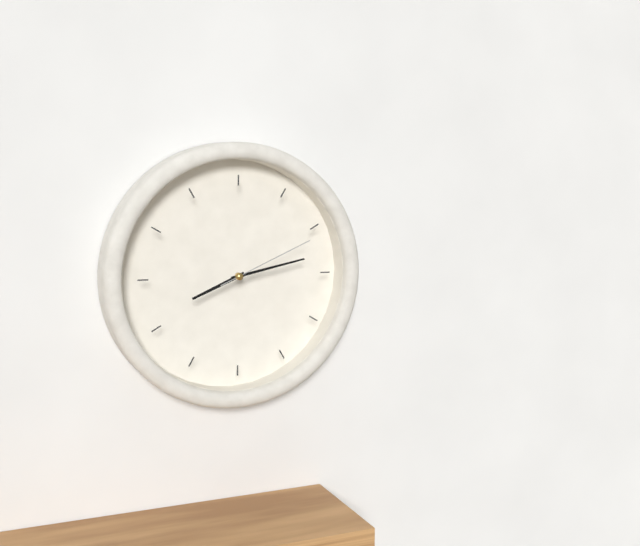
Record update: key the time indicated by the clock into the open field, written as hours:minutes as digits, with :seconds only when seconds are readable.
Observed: 8:13:11
